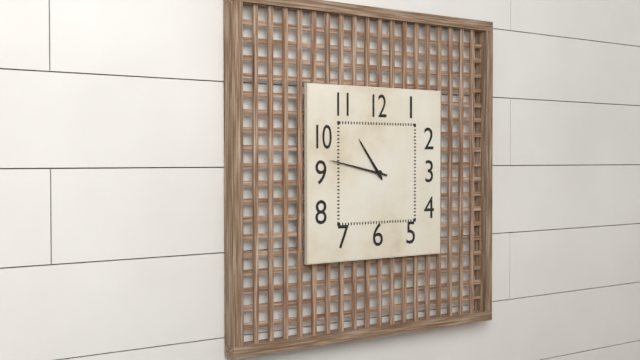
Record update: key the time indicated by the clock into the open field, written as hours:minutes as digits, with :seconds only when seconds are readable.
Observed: 10:47
